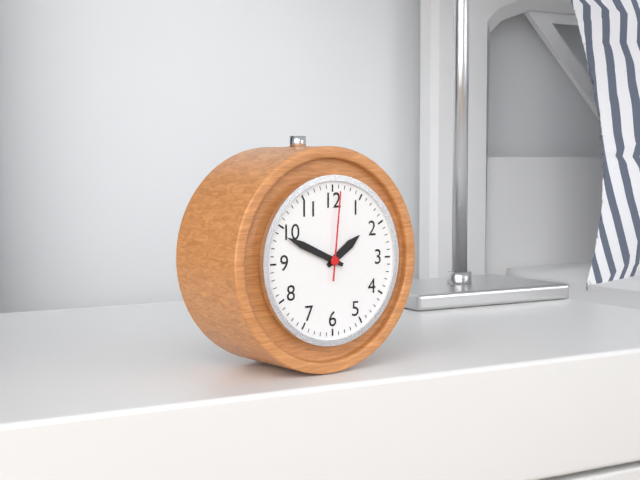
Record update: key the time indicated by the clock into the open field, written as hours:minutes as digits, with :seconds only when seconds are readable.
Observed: 1:49:01
